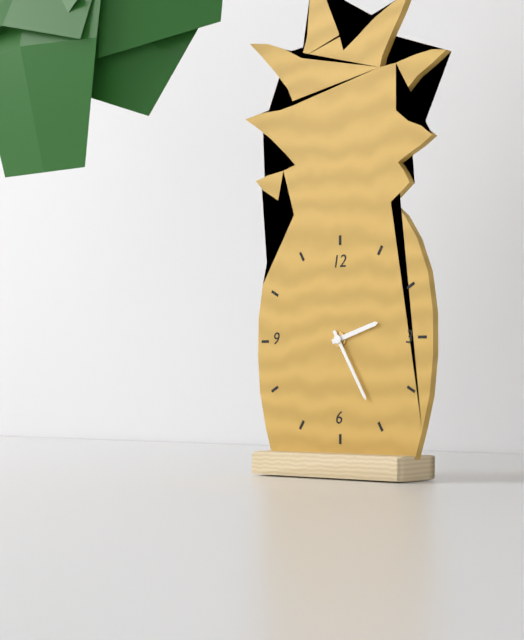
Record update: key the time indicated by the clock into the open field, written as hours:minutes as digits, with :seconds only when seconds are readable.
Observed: 2:25
